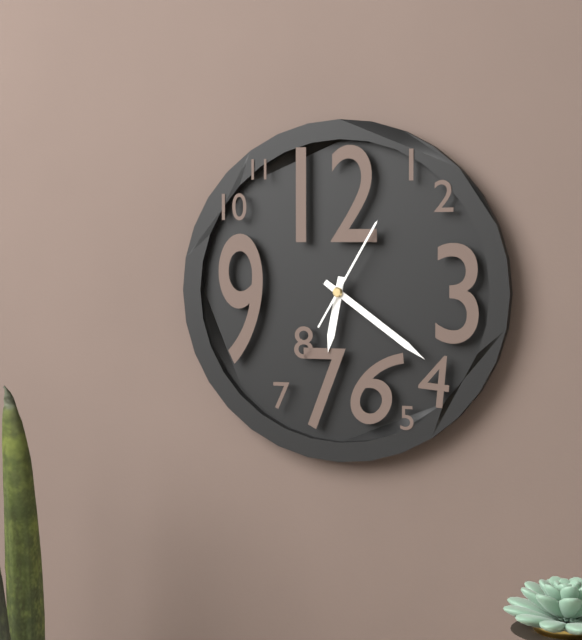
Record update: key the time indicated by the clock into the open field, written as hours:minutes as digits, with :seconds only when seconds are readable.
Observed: 6:21:05
